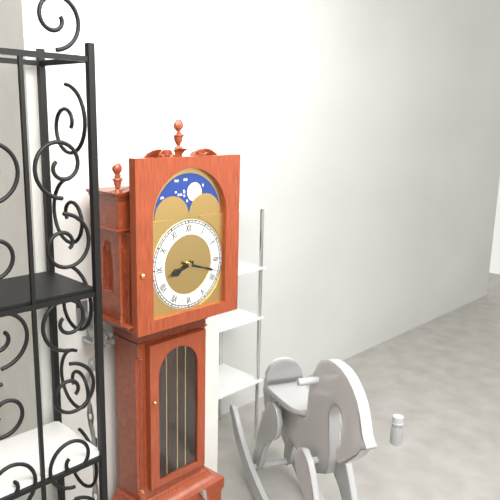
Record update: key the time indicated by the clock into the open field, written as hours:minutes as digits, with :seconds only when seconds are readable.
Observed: 8:18
